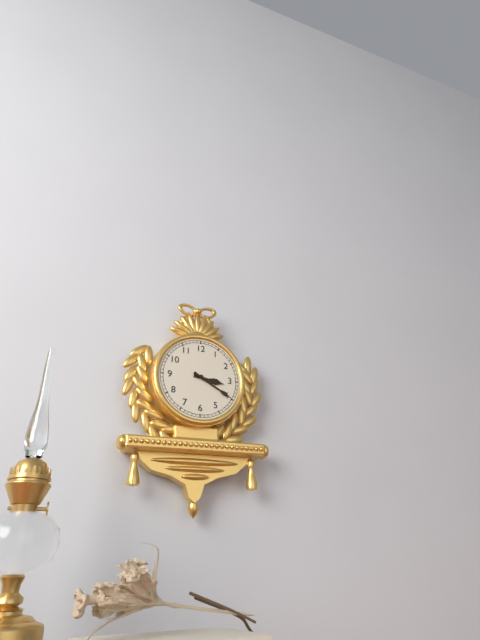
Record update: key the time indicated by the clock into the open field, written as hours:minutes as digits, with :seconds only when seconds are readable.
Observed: 3:20
